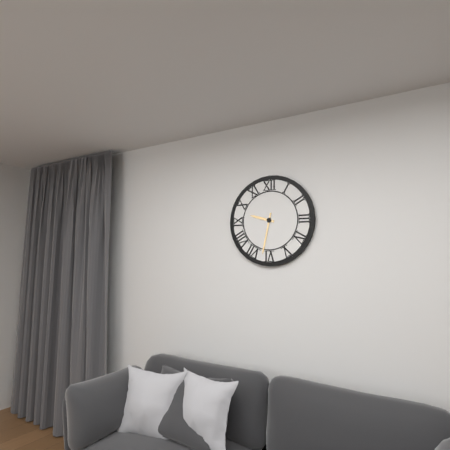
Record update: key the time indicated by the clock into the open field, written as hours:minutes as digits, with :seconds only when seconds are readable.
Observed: 9:32
